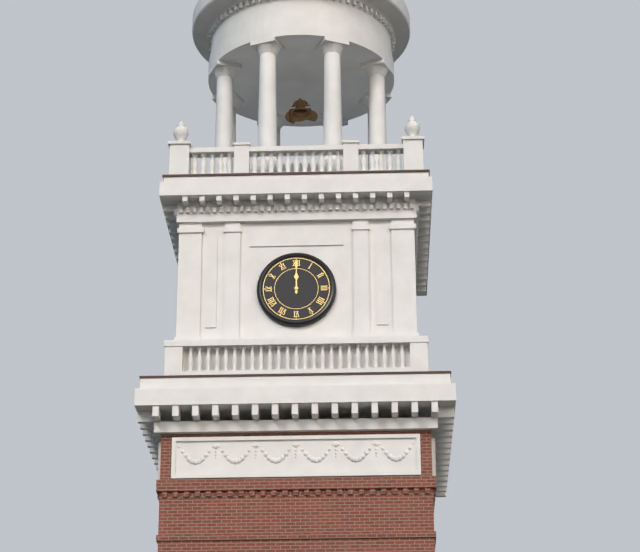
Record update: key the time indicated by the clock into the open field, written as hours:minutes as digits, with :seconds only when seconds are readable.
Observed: 12:00
